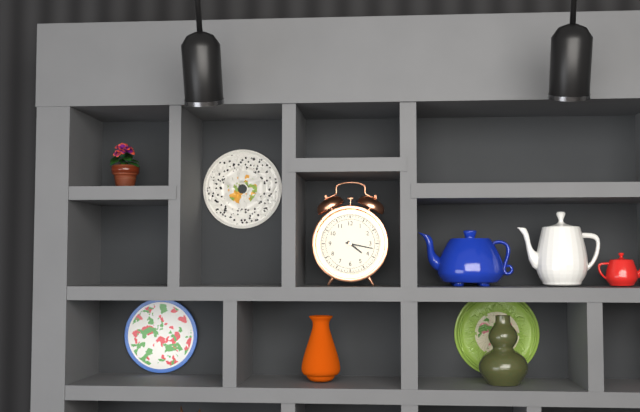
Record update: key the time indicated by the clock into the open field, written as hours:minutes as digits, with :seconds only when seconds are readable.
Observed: 4:17
